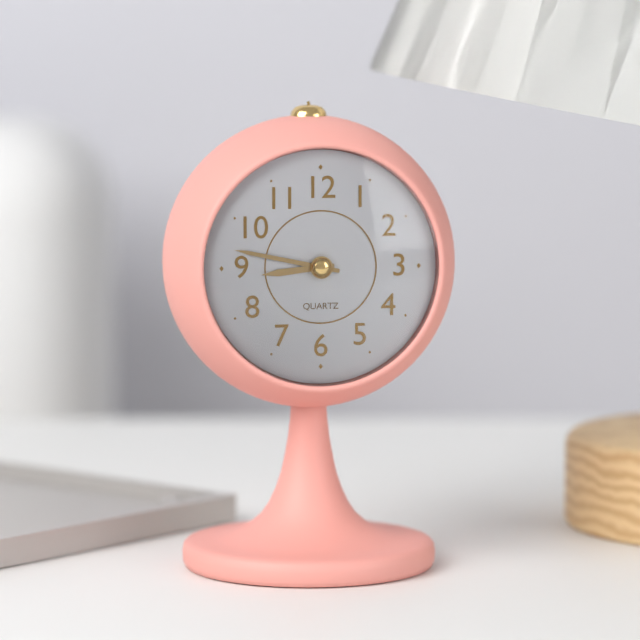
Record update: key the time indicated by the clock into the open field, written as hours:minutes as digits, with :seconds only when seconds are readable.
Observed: 8:47
